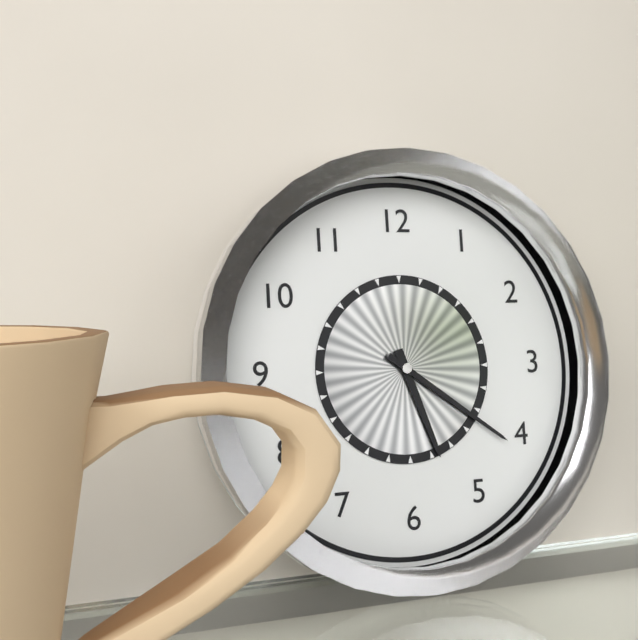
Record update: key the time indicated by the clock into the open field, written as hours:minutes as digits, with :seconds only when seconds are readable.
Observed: 5:21
